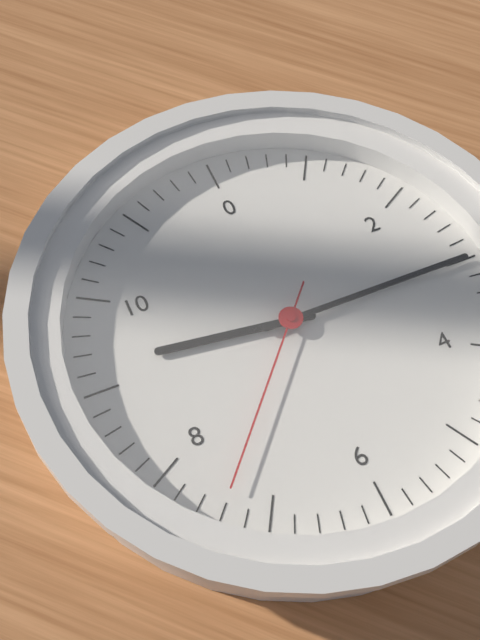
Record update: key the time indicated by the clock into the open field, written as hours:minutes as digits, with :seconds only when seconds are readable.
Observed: 9:15:37
